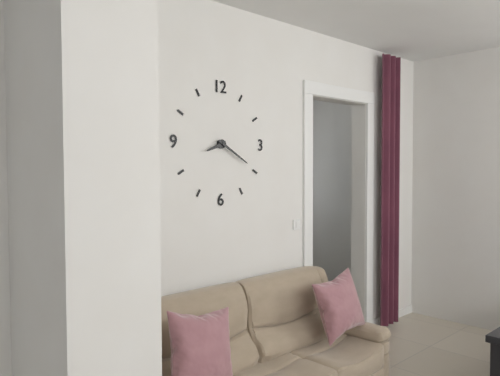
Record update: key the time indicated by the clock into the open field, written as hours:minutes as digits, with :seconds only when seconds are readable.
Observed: 8:20
